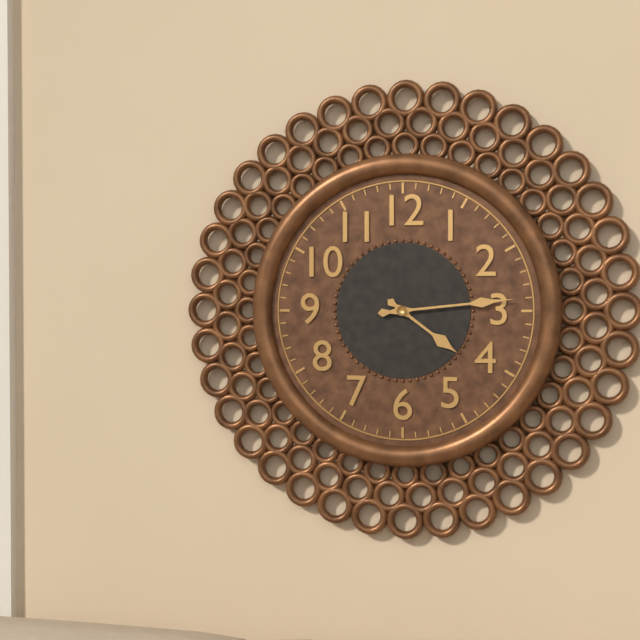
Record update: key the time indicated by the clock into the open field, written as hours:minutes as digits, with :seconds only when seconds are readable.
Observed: 4:14
